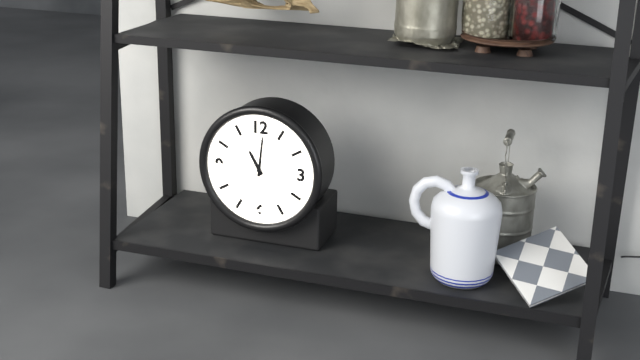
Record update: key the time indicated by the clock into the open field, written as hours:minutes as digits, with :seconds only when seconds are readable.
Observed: 11:01
